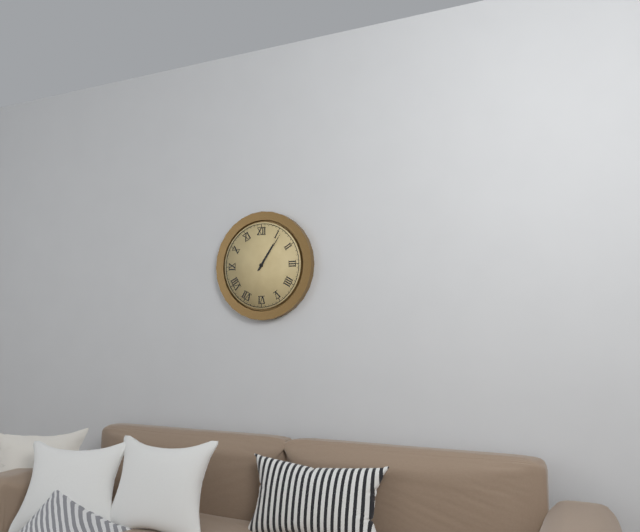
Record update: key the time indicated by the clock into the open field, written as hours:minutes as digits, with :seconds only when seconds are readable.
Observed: 1:06
